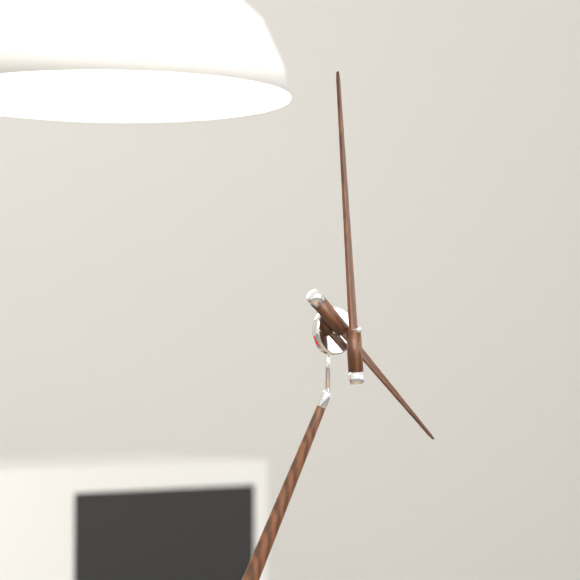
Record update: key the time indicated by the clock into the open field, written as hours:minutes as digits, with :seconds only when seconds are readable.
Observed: 3:57
